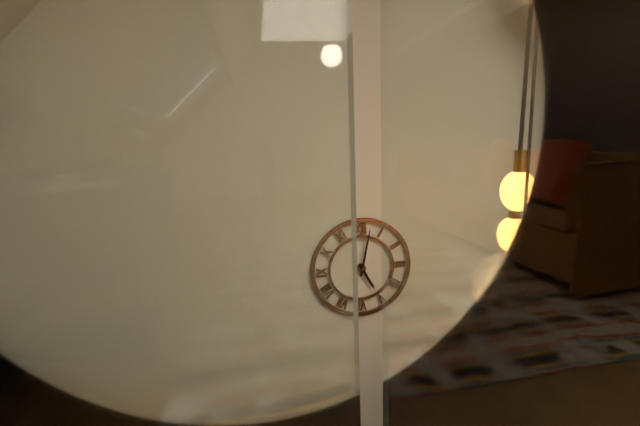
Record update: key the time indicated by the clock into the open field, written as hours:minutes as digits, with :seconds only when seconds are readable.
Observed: 5:02
